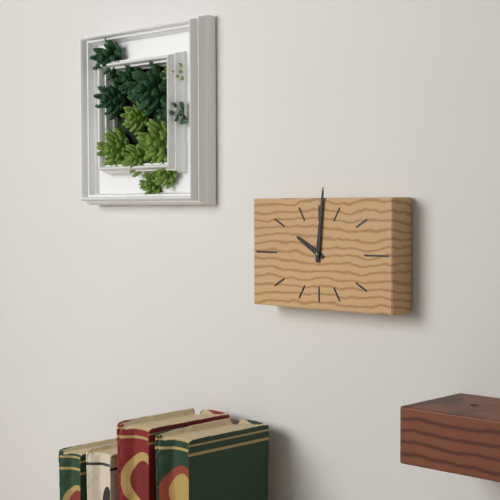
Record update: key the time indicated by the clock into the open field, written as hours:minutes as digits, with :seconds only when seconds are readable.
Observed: 10:01
